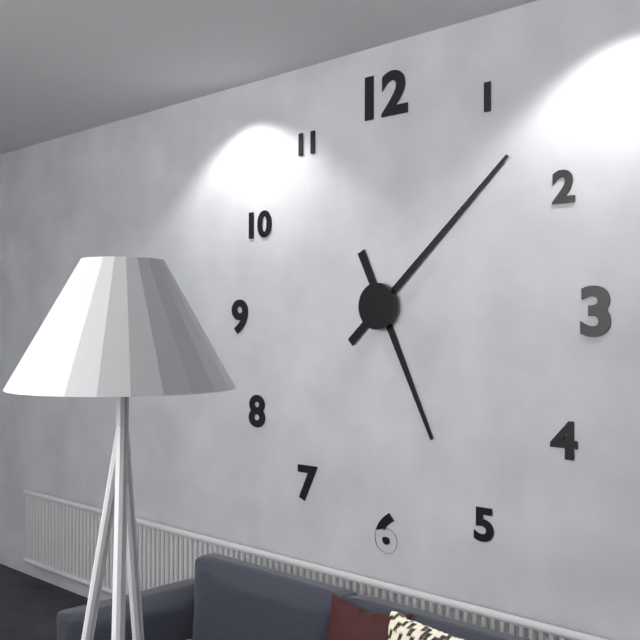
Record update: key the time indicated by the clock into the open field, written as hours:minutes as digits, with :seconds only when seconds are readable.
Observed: 5:08
